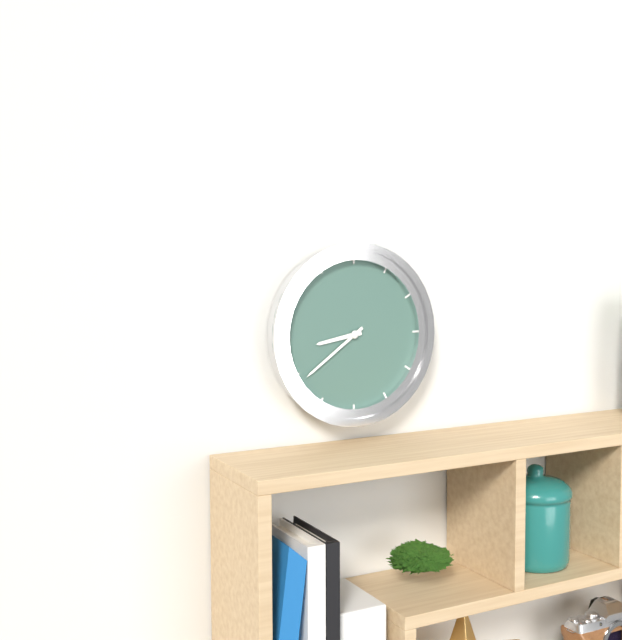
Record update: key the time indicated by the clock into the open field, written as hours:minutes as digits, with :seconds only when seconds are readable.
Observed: 8:39
